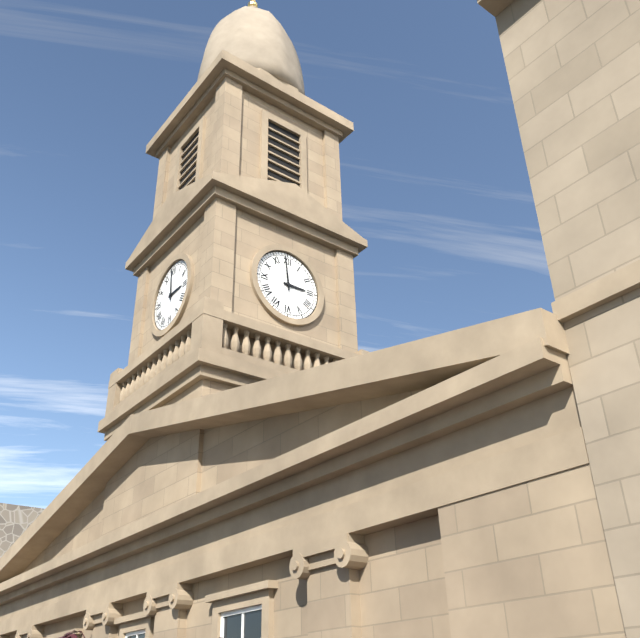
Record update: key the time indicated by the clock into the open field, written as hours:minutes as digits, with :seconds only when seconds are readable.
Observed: 2:59
